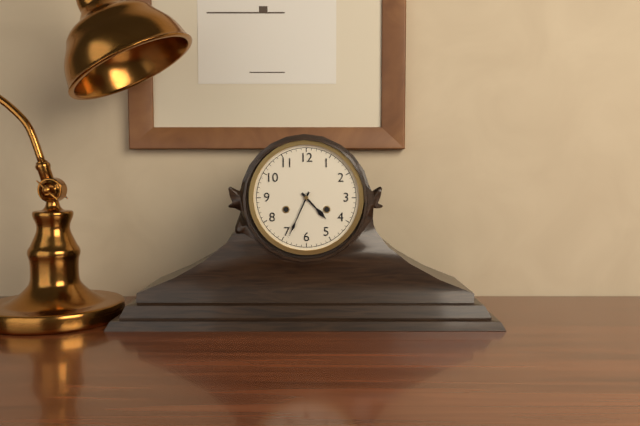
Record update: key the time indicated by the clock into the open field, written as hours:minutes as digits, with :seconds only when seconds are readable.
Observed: 4:34
